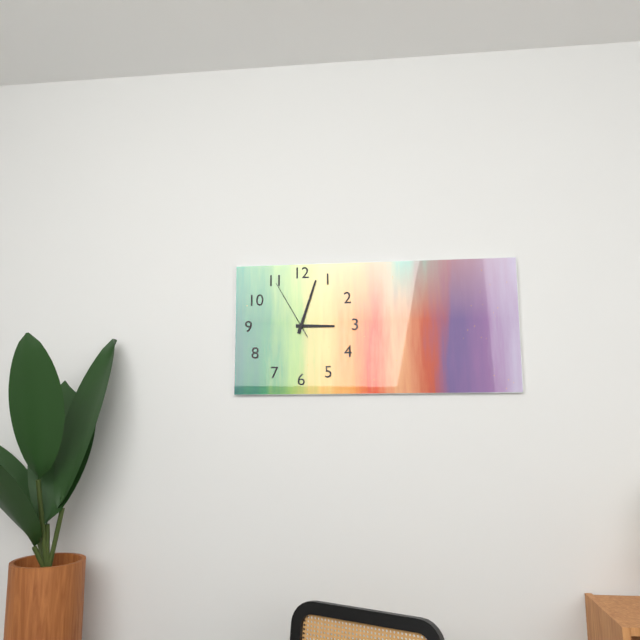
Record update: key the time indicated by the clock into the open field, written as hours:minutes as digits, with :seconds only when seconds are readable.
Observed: 3:03:55
